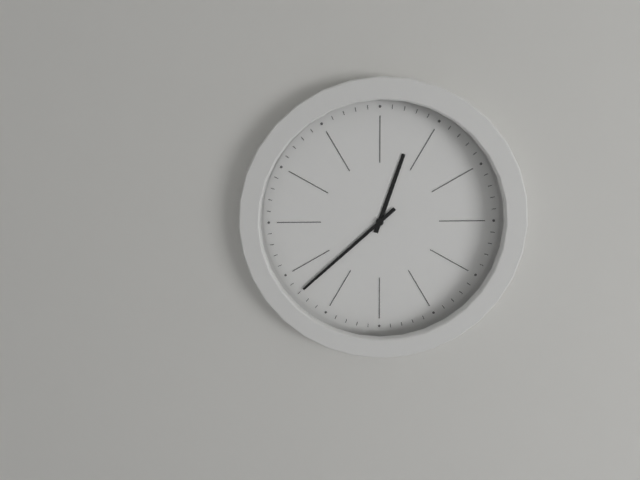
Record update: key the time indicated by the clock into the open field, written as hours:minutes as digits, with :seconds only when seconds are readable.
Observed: 12:38
